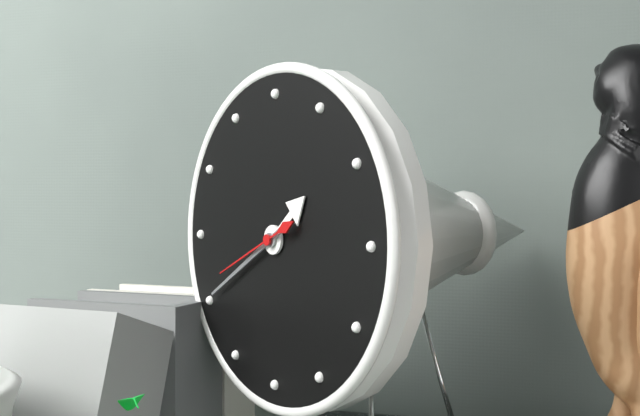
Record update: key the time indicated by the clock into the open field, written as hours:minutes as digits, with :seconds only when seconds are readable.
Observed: 1:40:41
